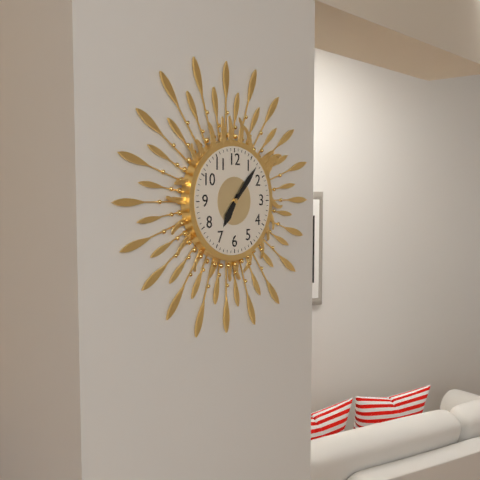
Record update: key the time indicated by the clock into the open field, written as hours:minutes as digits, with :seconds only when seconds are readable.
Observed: 7:07
